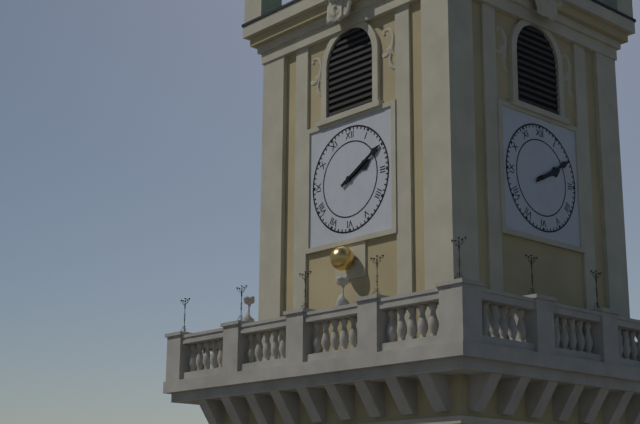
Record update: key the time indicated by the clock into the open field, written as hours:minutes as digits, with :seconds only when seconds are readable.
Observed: 2:10
